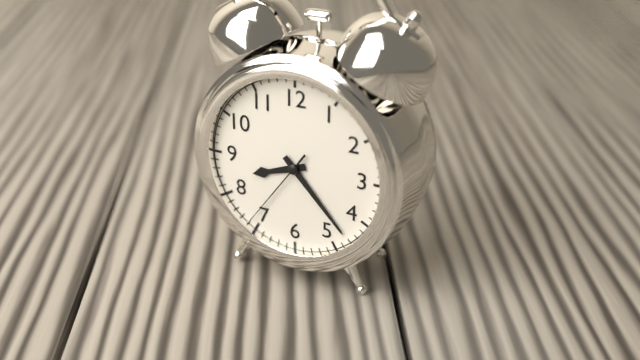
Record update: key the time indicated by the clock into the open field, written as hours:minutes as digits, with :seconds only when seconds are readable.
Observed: 8:23:36
